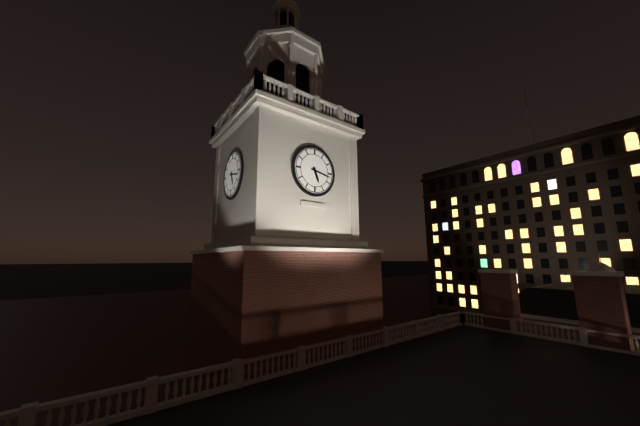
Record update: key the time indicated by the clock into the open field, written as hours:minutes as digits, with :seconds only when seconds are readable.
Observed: 5:17
